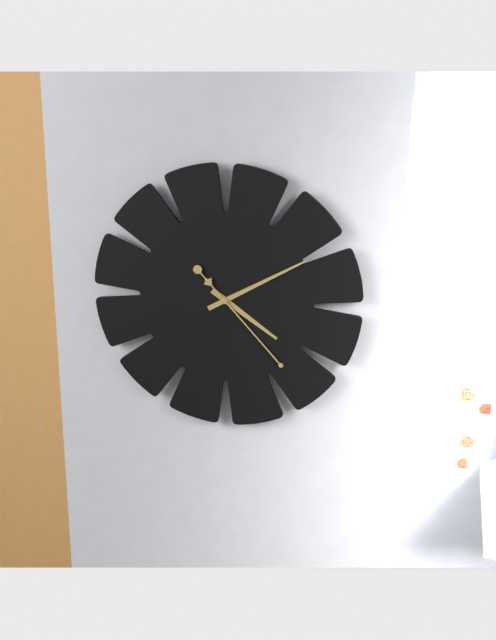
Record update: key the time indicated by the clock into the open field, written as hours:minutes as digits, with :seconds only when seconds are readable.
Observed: 4:10:23
